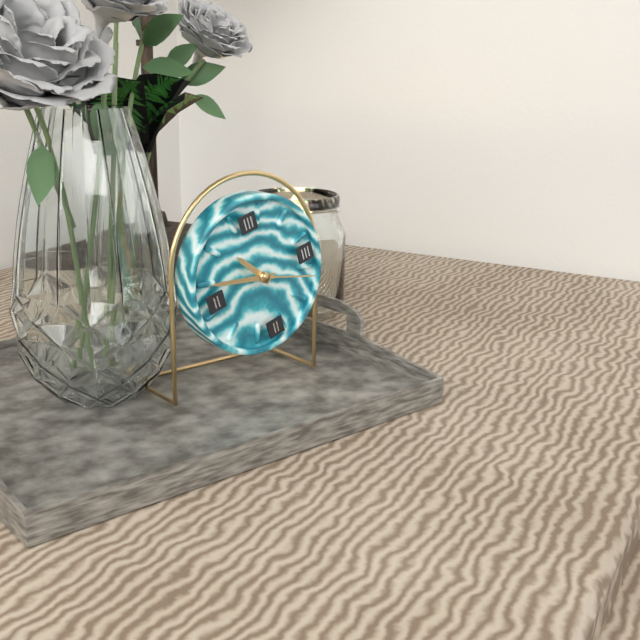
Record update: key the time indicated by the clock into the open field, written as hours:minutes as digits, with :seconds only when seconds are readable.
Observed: 10:48:19
